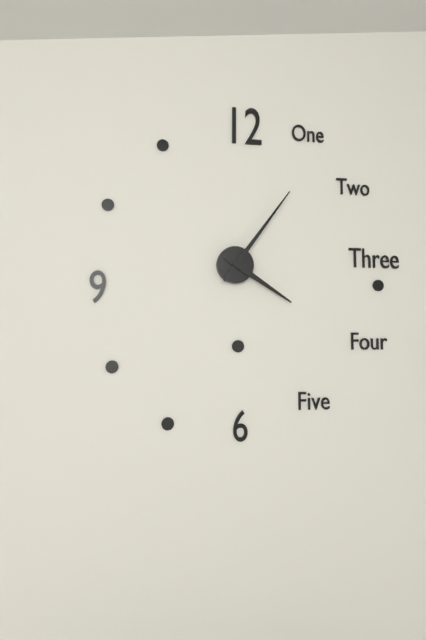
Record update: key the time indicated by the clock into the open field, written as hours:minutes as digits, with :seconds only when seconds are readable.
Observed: 4:06
